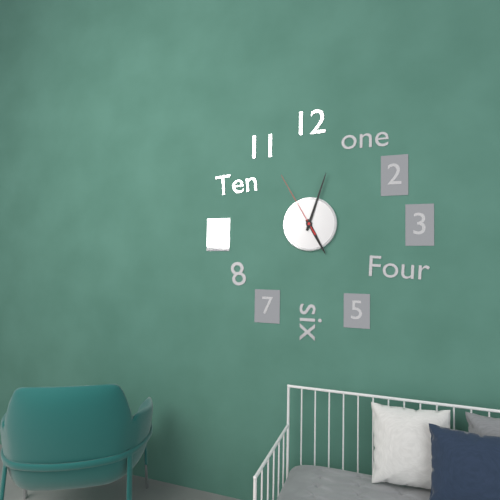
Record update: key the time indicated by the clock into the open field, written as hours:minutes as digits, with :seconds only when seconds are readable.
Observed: 5:03:55
